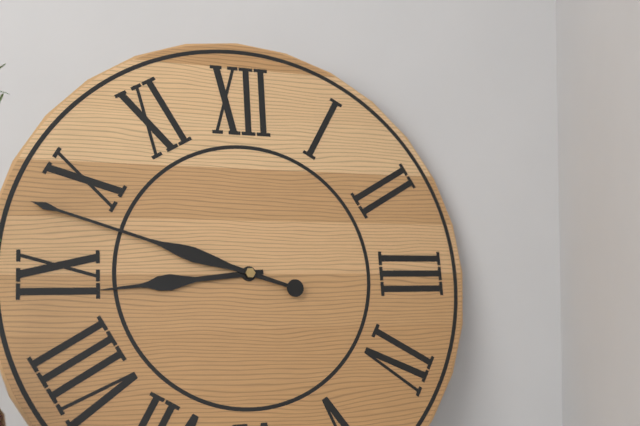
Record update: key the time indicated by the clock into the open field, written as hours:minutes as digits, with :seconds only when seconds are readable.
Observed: 8:48
